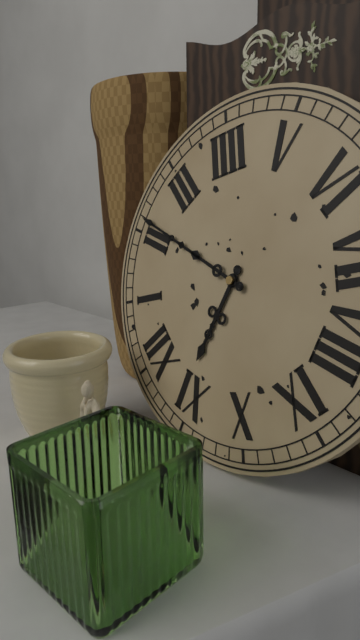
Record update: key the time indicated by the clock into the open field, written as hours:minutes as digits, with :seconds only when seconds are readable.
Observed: 11:11
